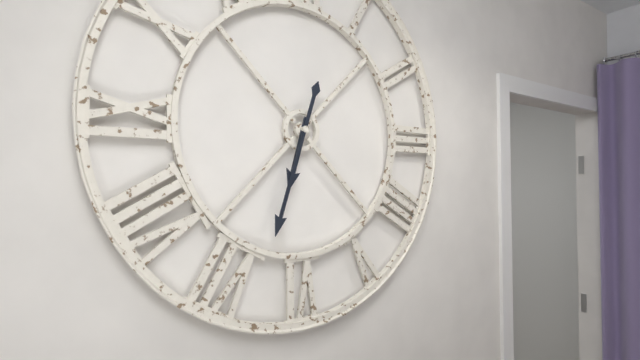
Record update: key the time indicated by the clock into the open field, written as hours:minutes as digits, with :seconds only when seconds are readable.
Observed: 6:33
